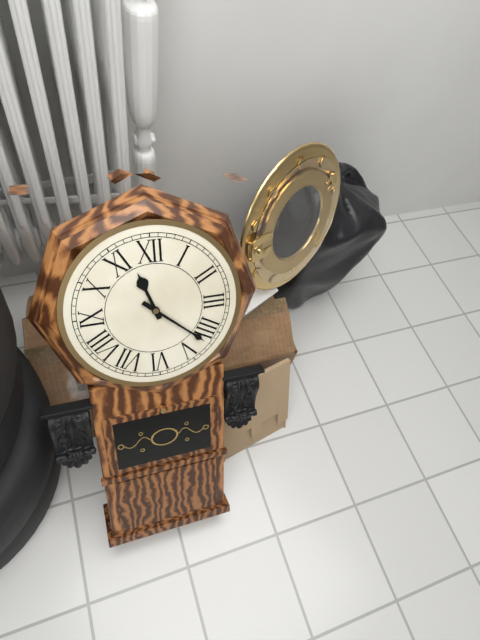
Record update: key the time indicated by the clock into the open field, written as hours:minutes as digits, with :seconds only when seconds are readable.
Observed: 11:22
